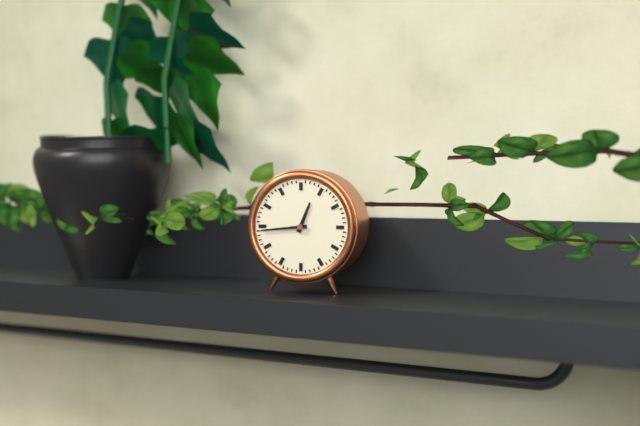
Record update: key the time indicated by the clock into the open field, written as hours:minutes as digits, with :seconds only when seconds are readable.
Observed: 12:44
